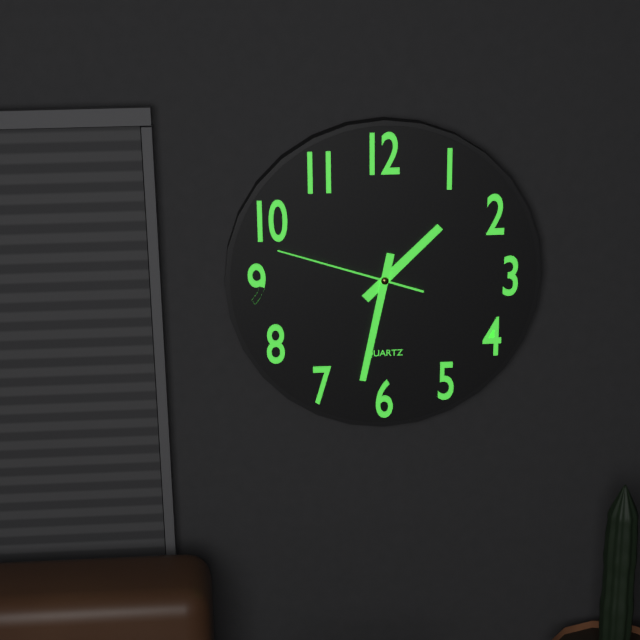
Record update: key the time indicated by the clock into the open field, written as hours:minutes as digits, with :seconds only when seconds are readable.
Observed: 1:32:48
